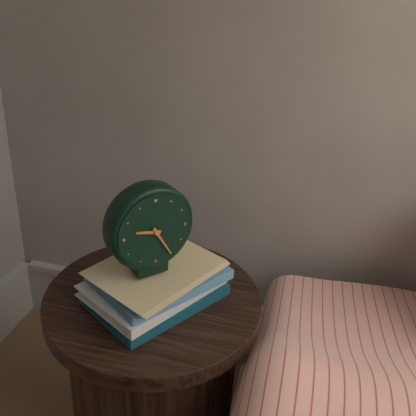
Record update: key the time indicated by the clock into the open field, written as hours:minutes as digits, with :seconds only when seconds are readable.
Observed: 9:25
